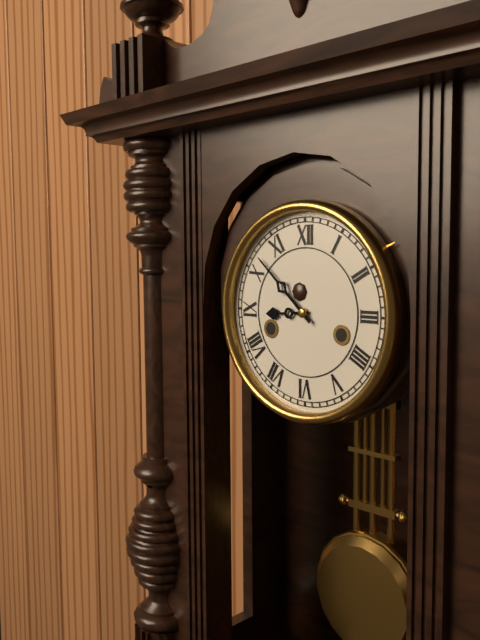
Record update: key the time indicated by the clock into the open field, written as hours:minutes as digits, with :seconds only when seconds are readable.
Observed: 8:52
